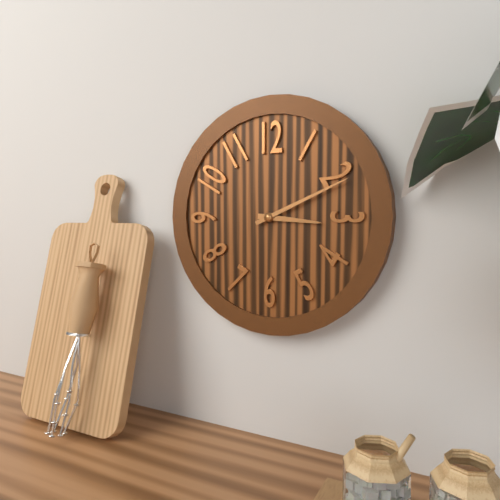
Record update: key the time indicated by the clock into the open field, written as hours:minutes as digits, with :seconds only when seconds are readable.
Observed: 3:11
